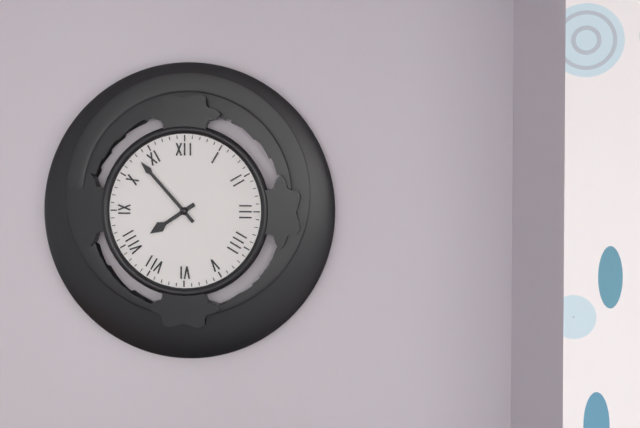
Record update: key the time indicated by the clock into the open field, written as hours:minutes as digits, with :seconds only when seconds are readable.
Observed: 7:53
